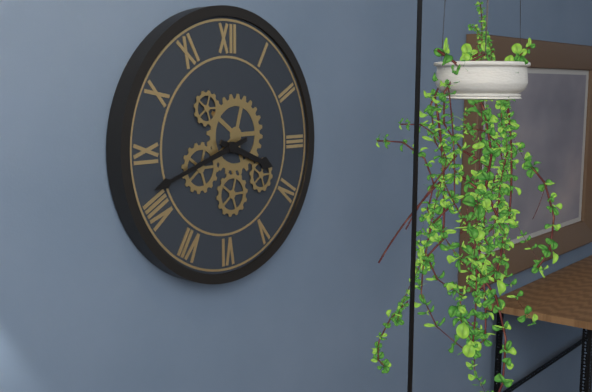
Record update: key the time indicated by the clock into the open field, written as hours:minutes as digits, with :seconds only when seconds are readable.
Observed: 3:42
